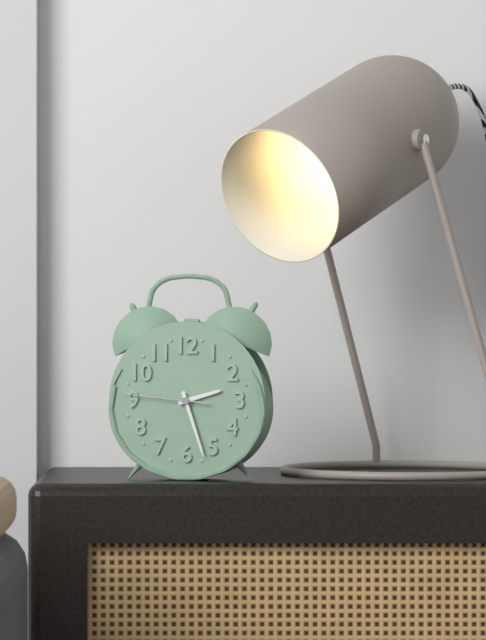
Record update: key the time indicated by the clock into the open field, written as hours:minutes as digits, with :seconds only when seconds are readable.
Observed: 2:27:46
